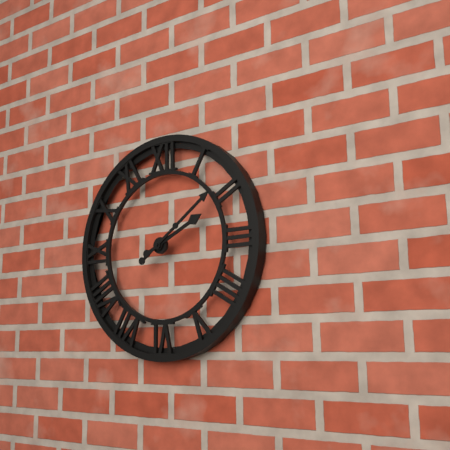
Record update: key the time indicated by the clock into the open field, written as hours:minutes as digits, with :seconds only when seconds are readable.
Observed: 2:09
